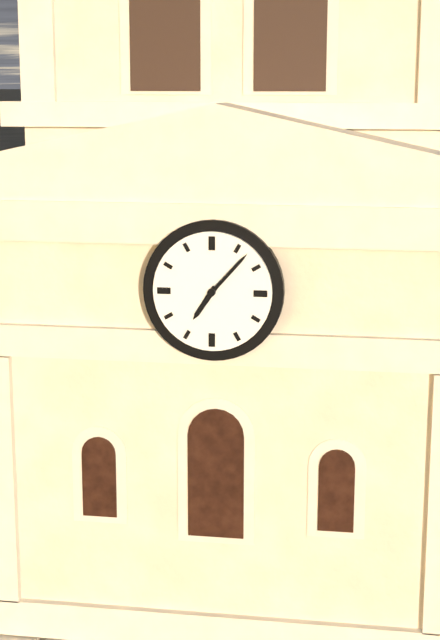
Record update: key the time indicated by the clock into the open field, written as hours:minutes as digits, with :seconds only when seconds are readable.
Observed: 7:07
